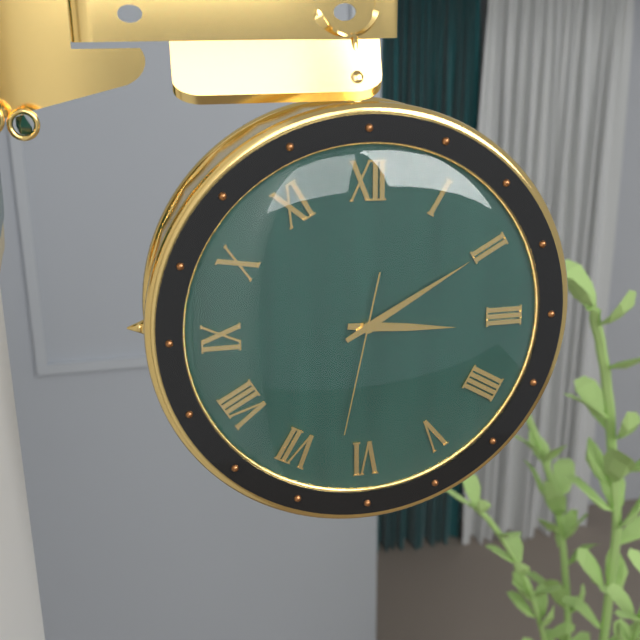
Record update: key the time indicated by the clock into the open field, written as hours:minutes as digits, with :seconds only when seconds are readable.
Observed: 3:10:32
